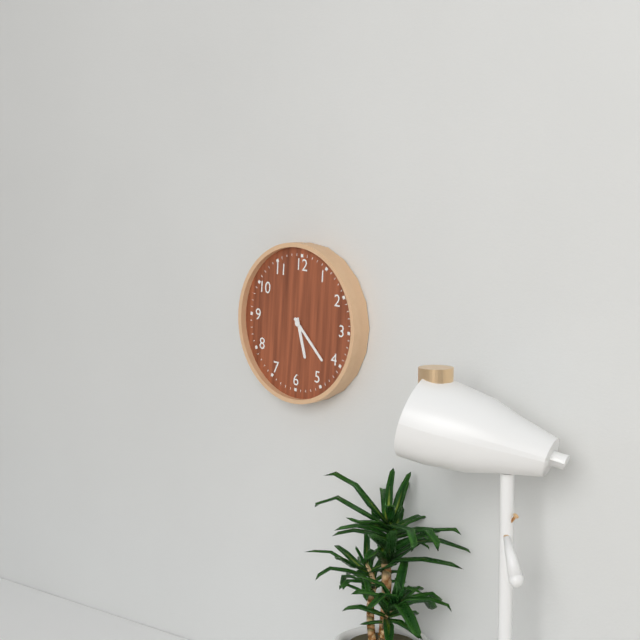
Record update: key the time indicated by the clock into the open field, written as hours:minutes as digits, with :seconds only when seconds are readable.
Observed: 5:22
